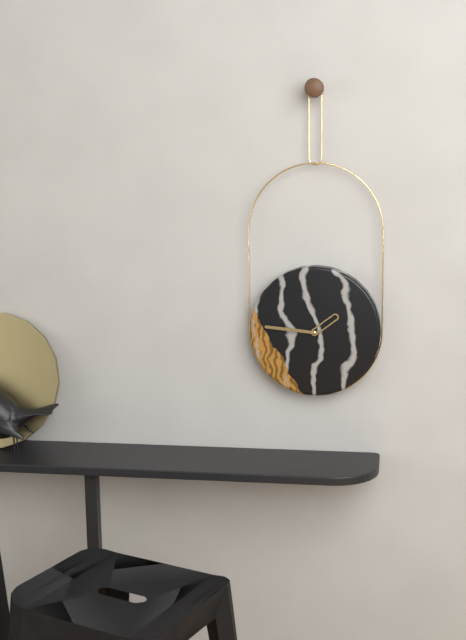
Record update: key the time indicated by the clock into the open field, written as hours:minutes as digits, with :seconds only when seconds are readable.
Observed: 1:46
